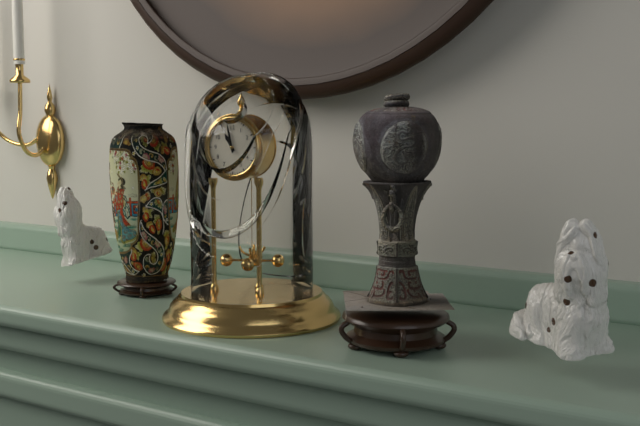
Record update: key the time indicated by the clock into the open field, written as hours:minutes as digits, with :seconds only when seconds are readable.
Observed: 10:58
